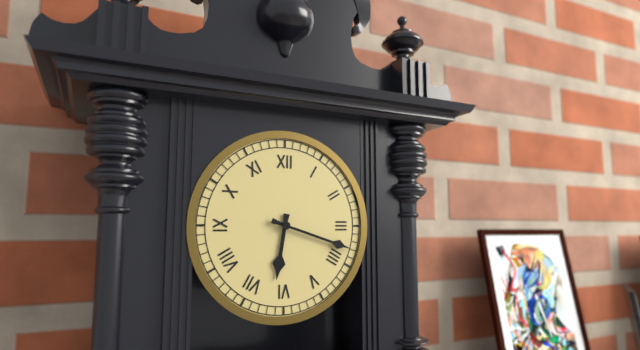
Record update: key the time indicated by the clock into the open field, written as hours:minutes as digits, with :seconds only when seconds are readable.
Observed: 6:18
